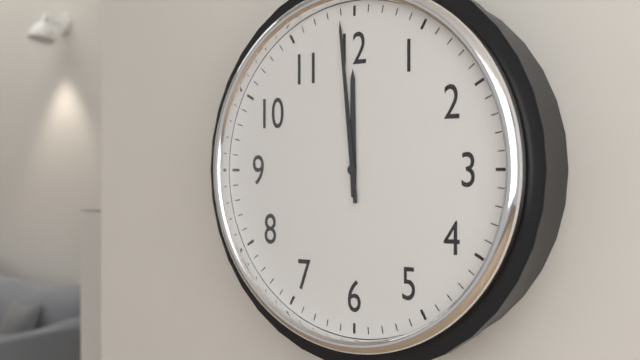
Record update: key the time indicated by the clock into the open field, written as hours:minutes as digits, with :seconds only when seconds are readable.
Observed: 11:59
